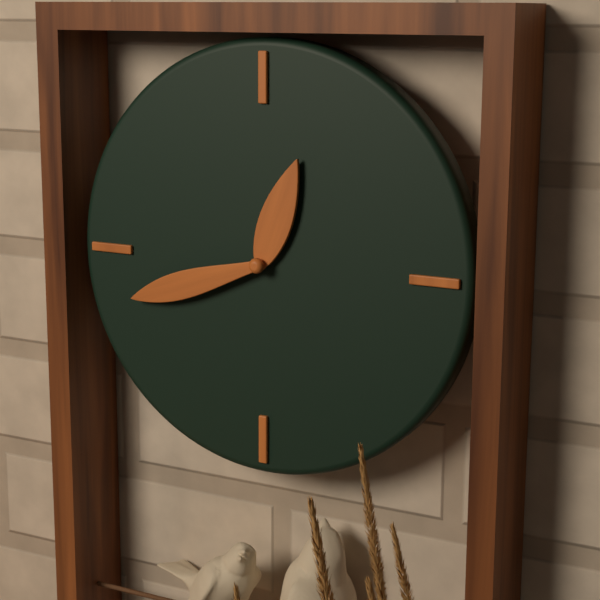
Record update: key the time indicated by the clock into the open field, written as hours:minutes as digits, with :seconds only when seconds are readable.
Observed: 12:42
